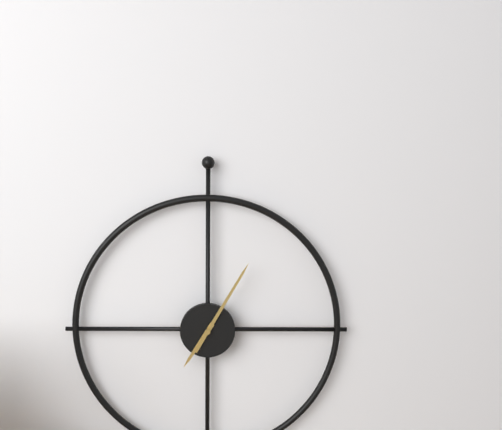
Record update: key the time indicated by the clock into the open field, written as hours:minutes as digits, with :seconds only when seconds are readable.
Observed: 7:05
